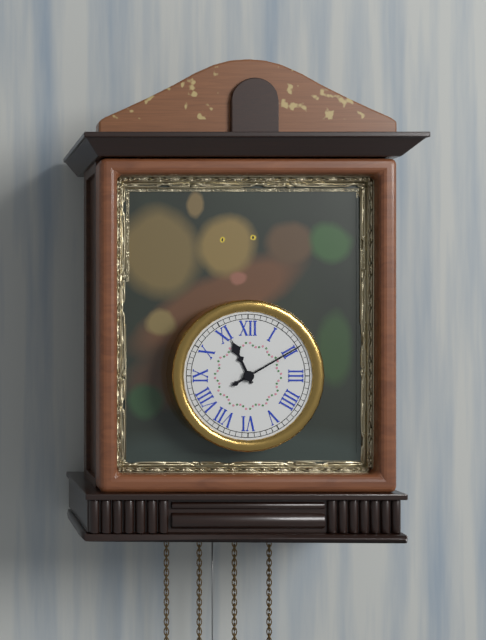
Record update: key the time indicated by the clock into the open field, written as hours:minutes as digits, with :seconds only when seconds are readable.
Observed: 11:10
